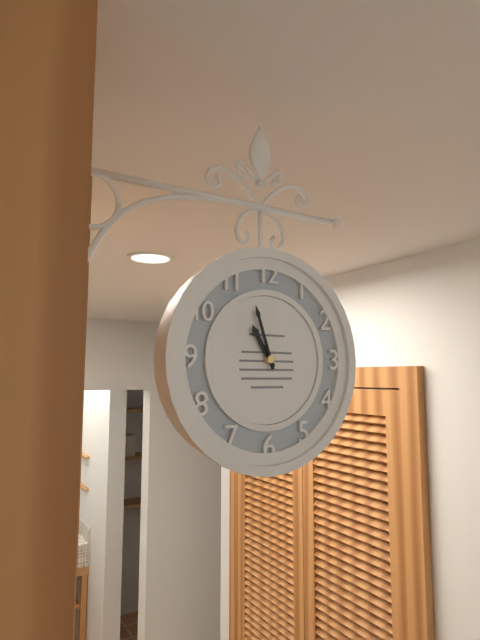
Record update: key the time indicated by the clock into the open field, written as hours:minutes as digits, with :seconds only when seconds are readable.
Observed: 10:57
